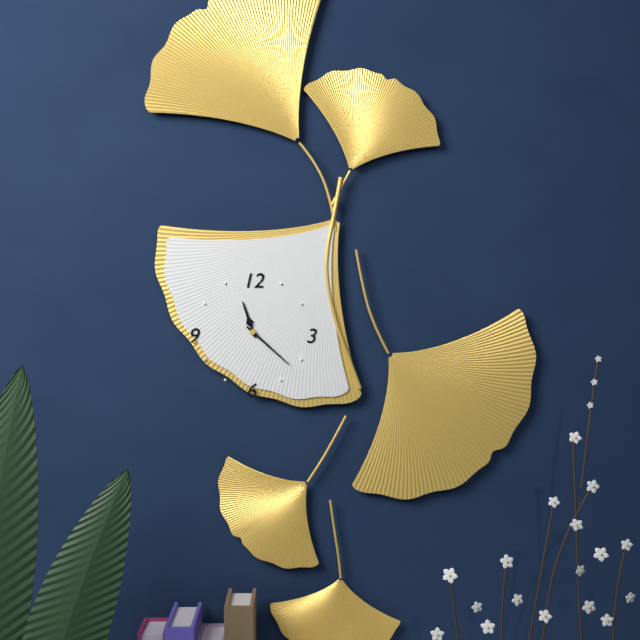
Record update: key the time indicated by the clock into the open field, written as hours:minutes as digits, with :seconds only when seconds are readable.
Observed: 11:22
